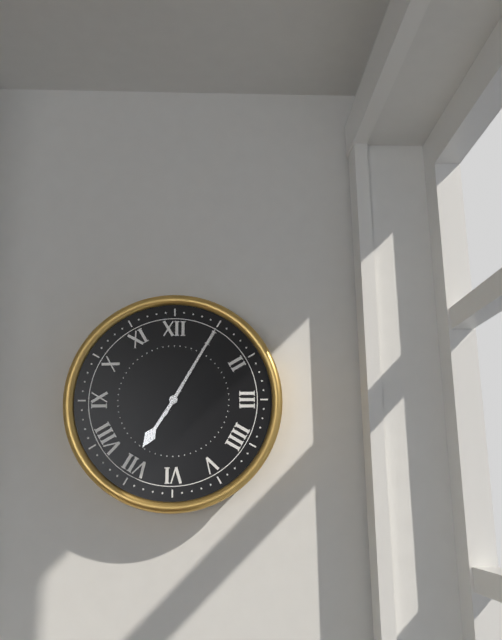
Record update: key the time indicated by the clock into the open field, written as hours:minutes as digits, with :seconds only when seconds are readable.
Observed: 7:05
